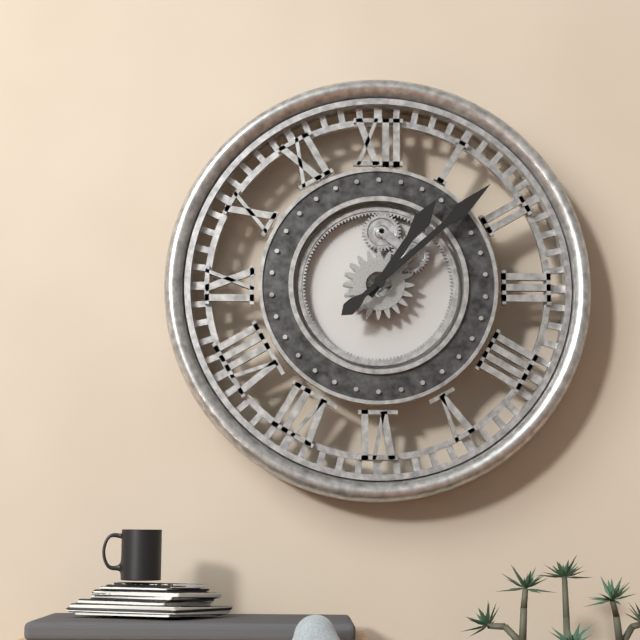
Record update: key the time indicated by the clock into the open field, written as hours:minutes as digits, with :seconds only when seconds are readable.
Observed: 1:08
